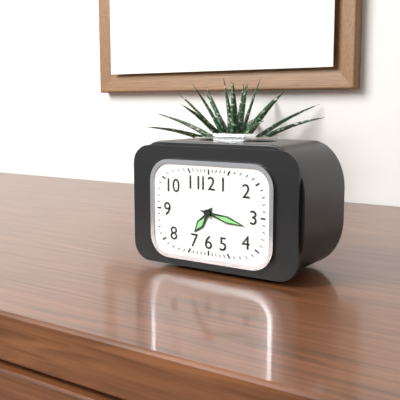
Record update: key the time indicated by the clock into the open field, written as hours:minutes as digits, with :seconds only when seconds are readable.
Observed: 7:17
